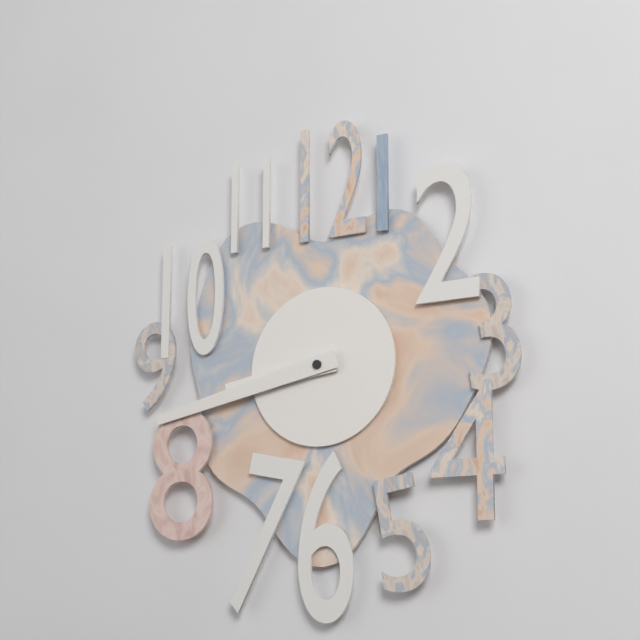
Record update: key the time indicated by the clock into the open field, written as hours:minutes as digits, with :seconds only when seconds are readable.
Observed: 8:43
